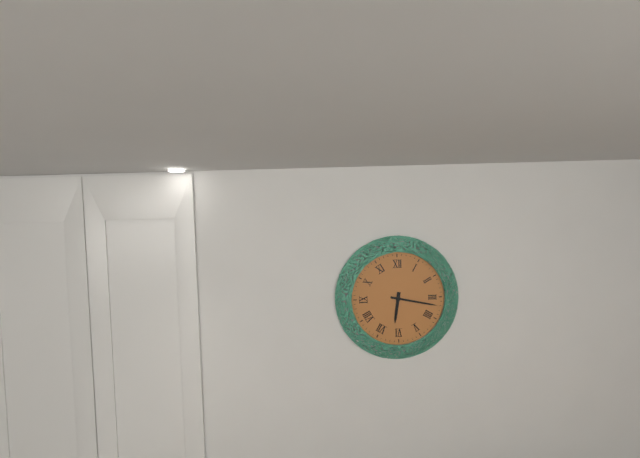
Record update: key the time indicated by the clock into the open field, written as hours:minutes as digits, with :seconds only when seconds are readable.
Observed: 6:17
